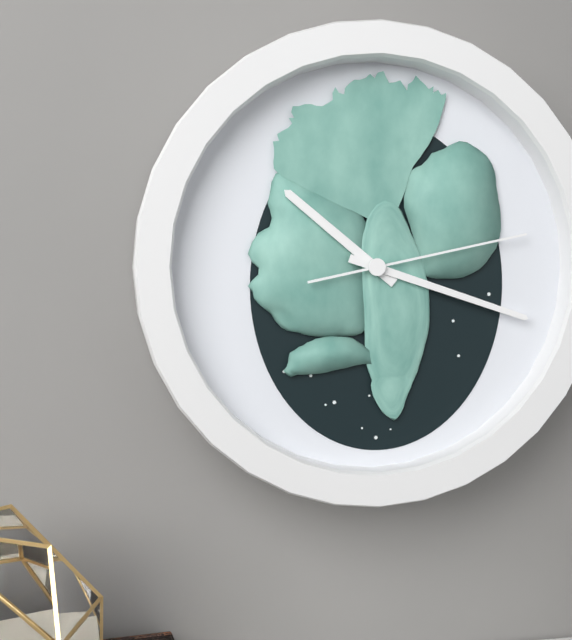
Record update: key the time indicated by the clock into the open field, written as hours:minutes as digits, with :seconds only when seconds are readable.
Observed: 10:18:13
